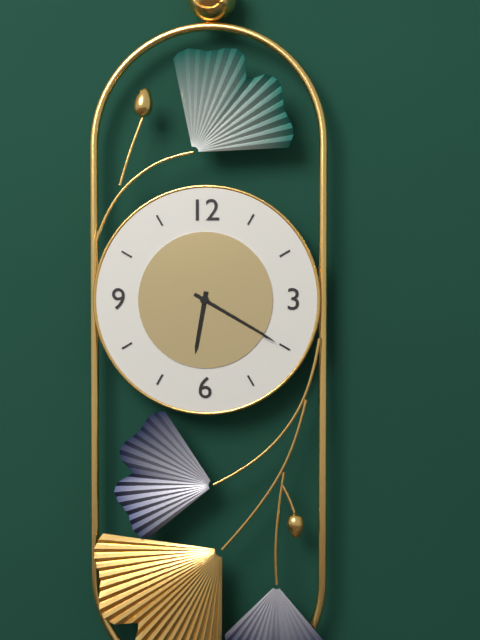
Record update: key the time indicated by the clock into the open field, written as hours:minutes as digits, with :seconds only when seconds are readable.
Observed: 6:20
